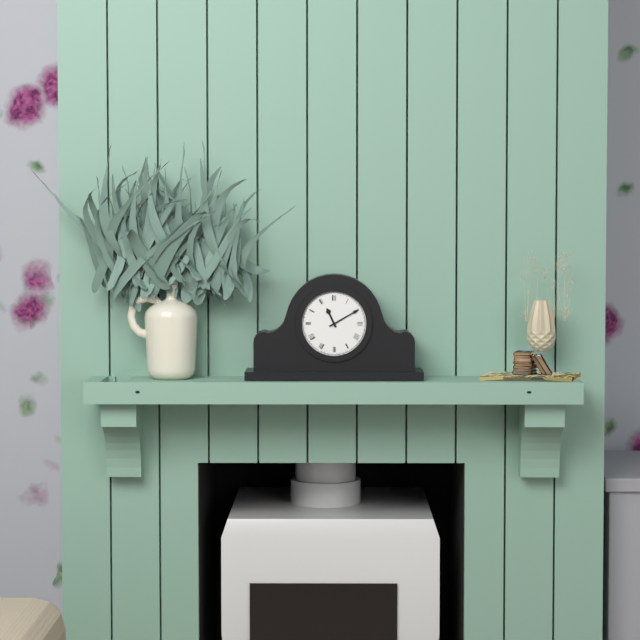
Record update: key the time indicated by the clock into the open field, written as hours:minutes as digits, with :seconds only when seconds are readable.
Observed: 11:10
